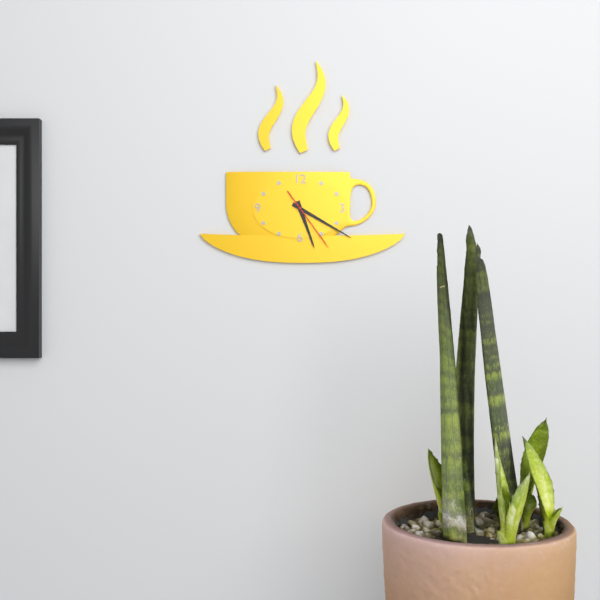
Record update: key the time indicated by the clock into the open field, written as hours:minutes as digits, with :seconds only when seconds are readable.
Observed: 5:20:24
